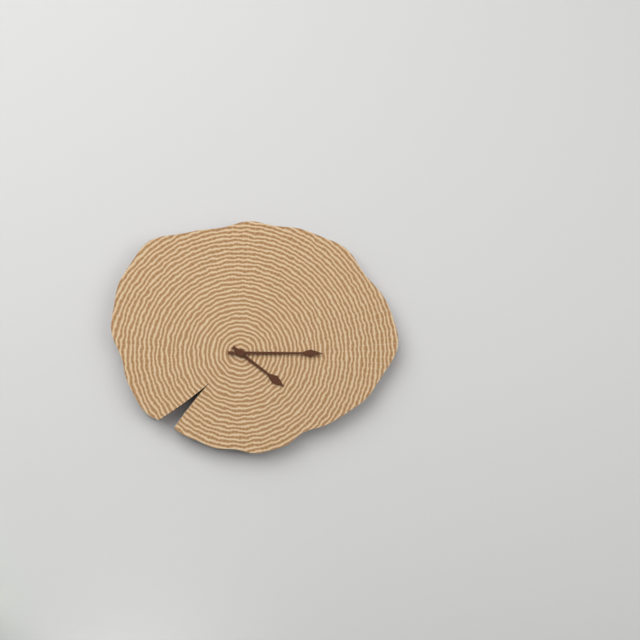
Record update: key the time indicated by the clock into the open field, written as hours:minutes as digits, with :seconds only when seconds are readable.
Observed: 4:15
